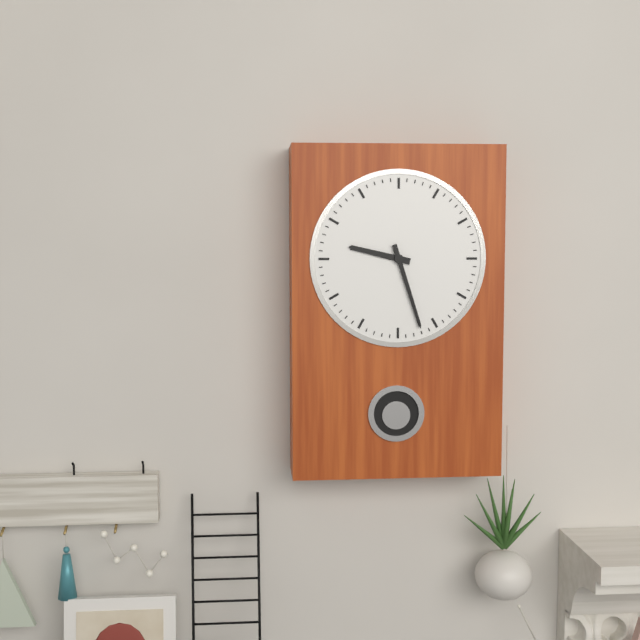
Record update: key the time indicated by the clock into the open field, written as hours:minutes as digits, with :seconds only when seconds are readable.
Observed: 9:27
